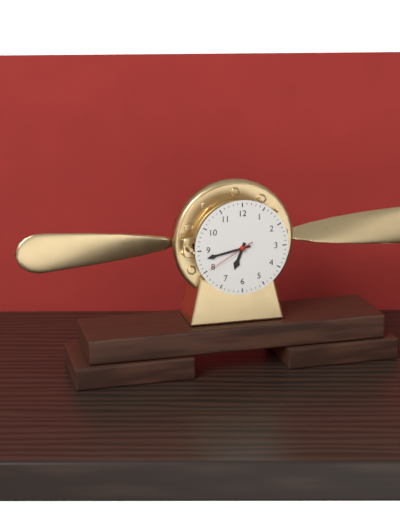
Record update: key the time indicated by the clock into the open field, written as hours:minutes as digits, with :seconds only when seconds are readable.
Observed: 6:43
